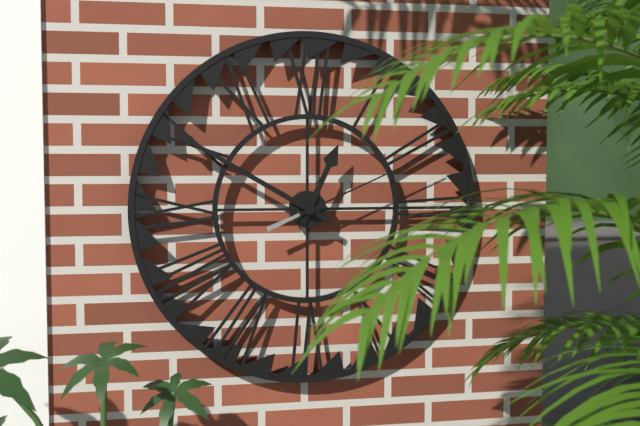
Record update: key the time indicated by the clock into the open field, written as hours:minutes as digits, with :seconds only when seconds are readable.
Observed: 12:50:11
